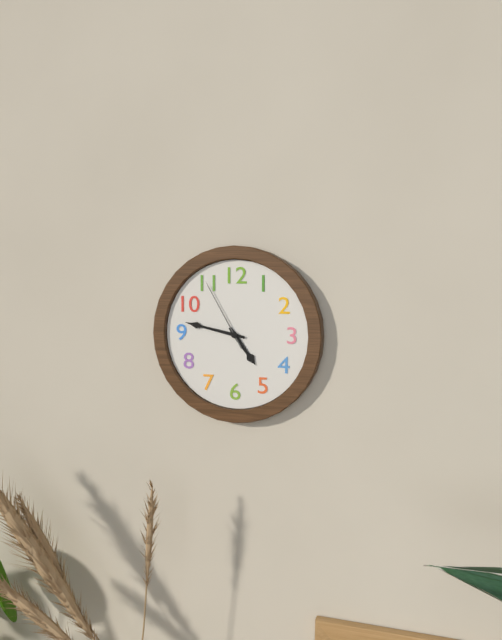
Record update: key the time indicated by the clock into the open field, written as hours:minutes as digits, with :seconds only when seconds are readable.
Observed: 4:47:55
